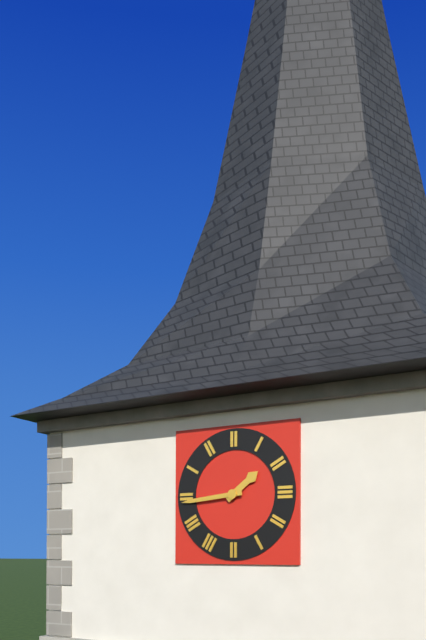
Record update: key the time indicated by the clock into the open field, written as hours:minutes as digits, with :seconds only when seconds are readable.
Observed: 1:44
